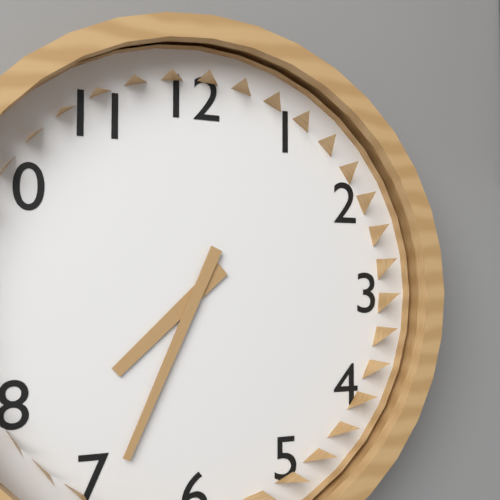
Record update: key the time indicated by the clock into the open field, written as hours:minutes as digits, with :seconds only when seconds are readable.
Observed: 7:34
